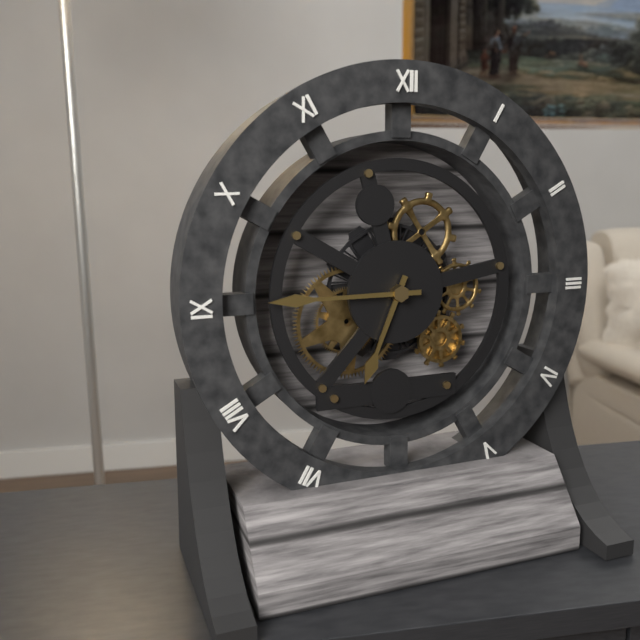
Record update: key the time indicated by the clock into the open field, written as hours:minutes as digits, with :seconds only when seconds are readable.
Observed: 6:45
